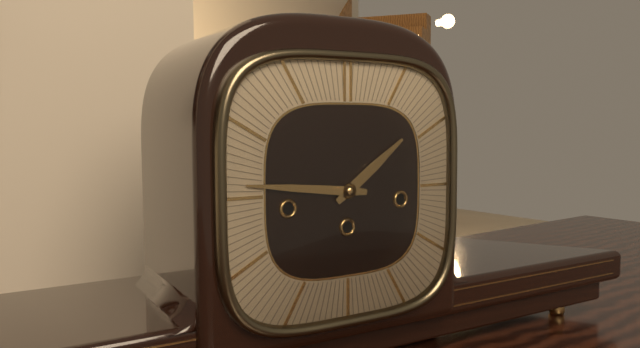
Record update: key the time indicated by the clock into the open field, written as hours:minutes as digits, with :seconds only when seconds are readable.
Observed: 1:46
